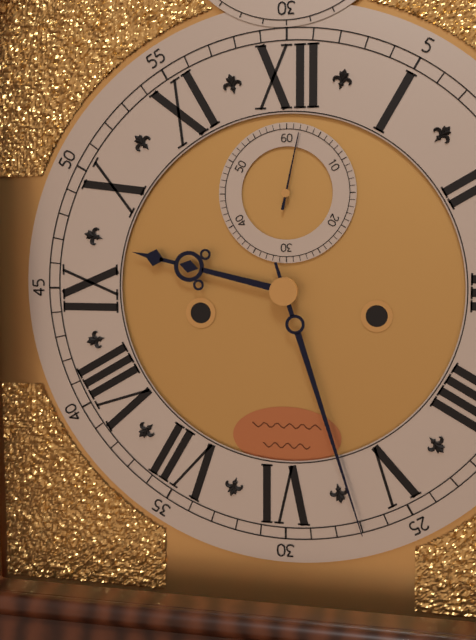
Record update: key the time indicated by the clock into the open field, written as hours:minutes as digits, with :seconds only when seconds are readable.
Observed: 9:27:02
